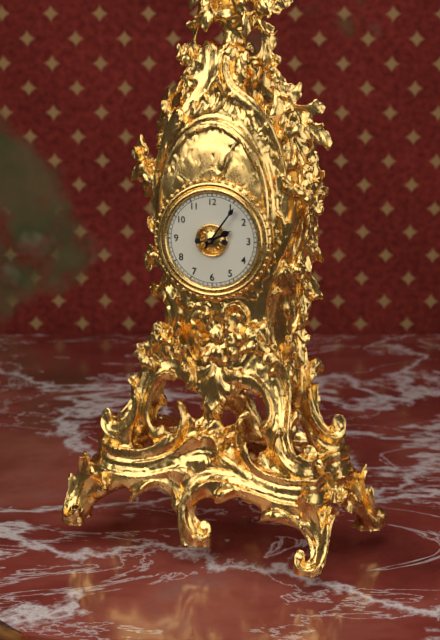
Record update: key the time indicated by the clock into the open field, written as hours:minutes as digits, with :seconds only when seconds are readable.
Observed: 2:06
